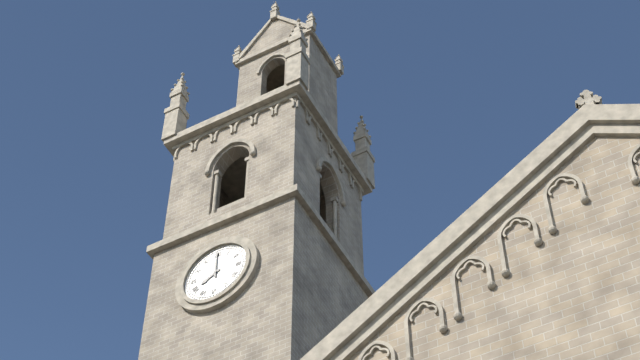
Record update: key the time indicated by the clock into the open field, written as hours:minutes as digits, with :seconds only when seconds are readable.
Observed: 8:00
